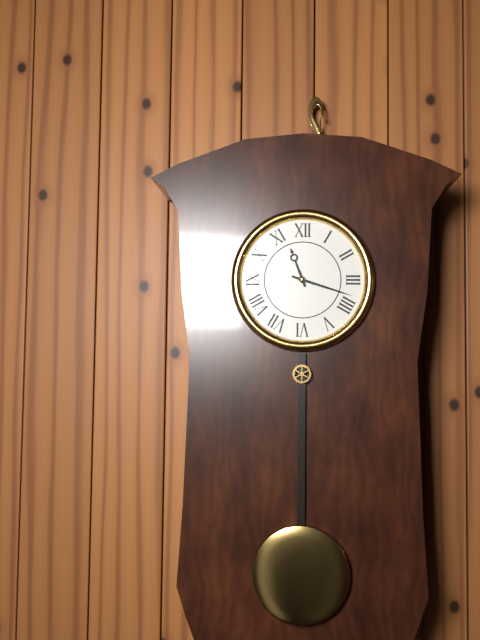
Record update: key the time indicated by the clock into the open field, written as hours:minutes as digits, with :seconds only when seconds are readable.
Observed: 11:18
